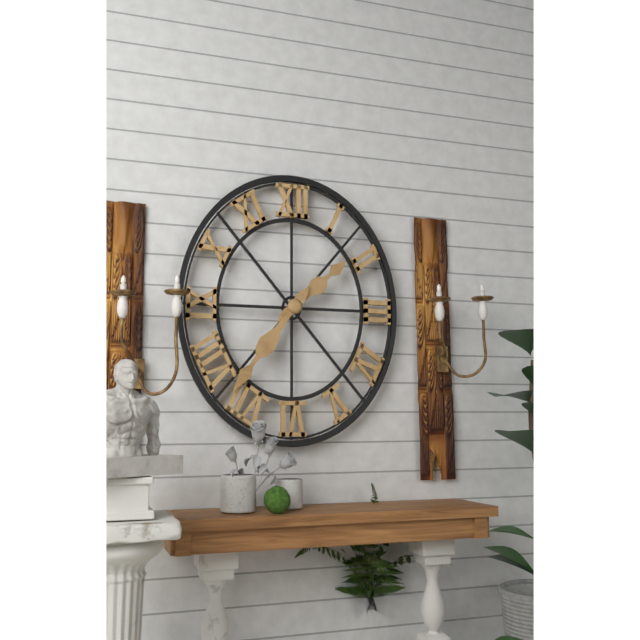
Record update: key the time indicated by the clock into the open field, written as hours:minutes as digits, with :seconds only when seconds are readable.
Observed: 1:36
